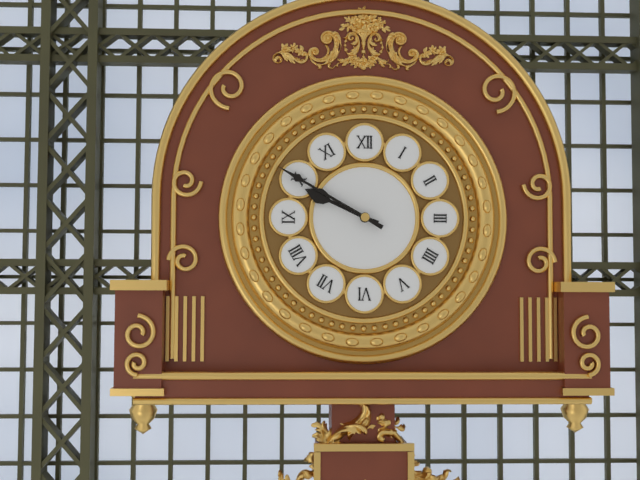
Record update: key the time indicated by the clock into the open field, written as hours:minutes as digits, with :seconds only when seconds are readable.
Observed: 9:50
